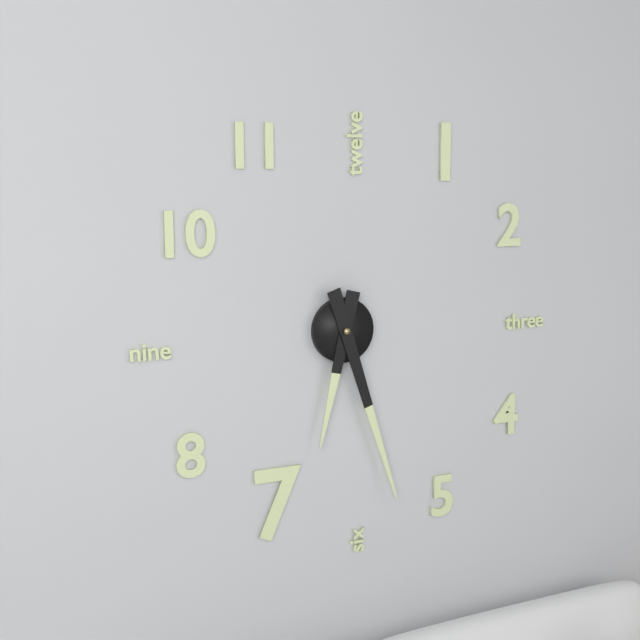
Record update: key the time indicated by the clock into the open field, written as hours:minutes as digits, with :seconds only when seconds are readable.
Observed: 6:27
